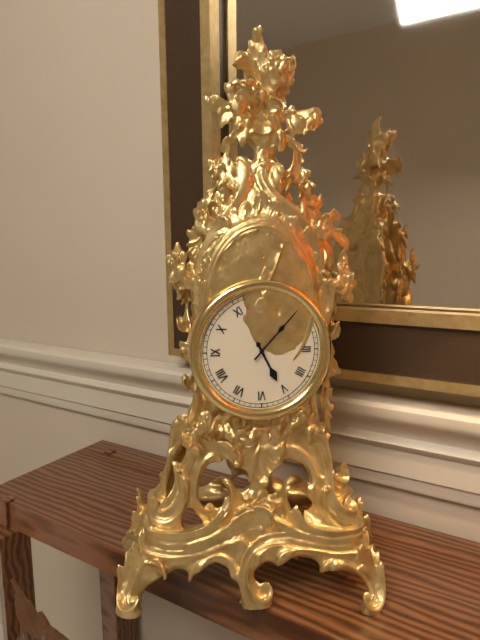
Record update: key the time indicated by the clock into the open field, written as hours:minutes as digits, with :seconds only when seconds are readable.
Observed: 5:07
